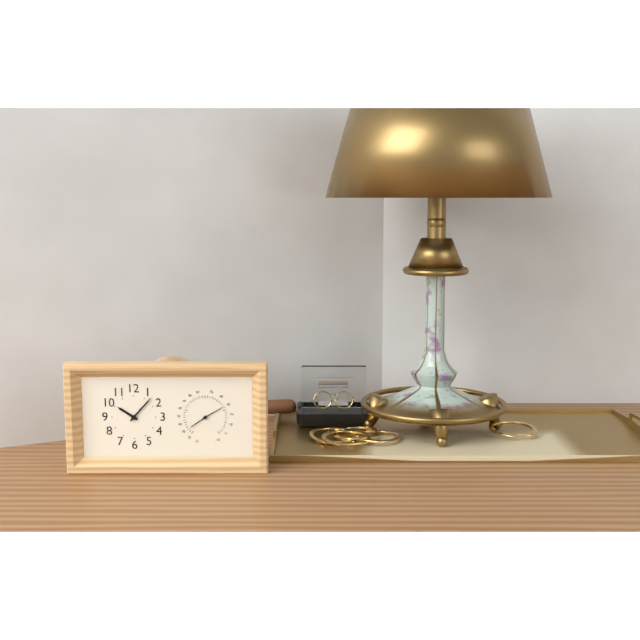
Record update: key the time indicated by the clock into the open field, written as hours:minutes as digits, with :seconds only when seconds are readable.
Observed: 10:07
